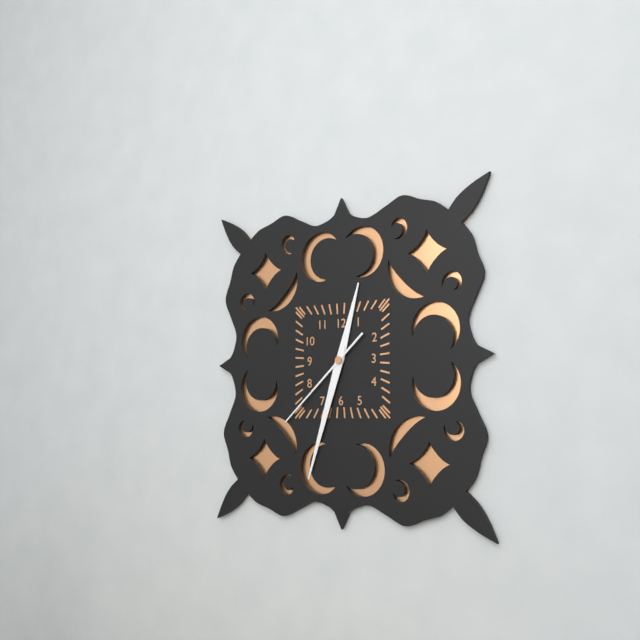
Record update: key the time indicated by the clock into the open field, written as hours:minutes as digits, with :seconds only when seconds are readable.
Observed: 12:33:38
